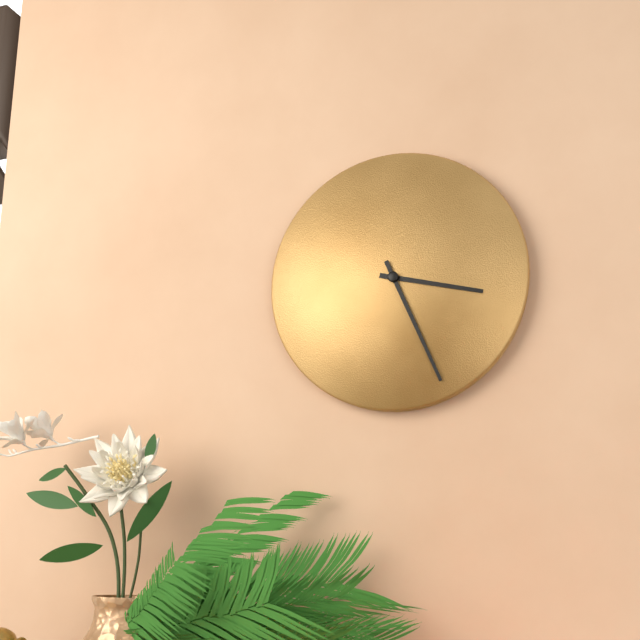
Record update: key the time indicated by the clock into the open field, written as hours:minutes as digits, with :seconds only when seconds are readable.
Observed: 3:26
